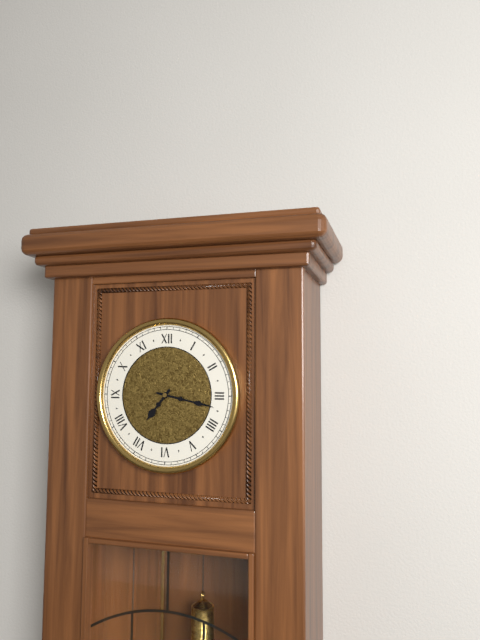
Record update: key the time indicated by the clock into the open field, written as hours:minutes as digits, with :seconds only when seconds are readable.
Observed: 7:17
